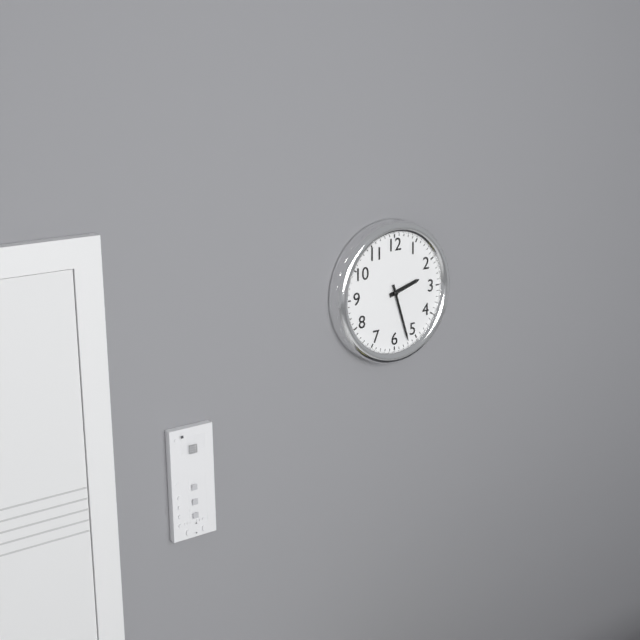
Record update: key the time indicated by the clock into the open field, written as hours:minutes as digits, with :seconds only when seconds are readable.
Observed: 2:27
